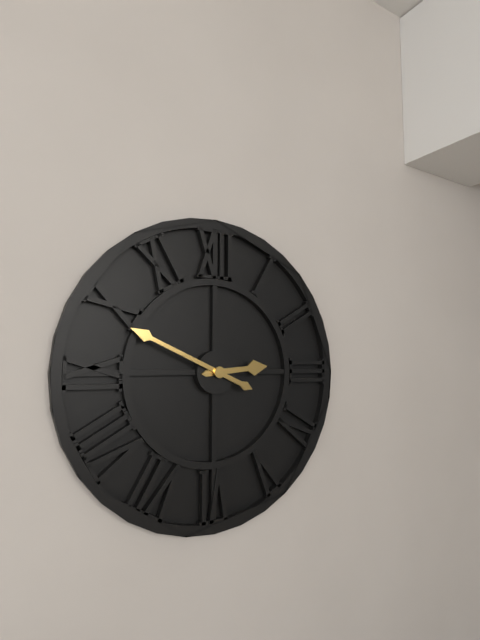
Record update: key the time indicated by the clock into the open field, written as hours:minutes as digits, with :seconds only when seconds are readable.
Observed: 2:49
